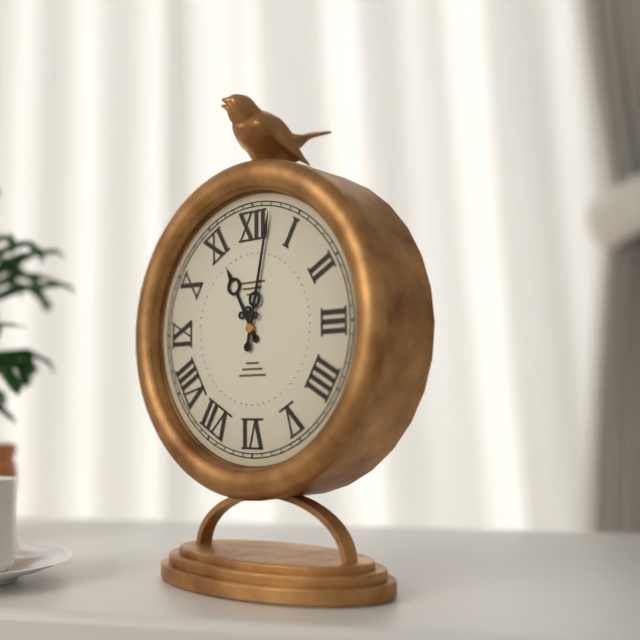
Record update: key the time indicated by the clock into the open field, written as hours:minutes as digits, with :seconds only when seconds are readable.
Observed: 11:02
